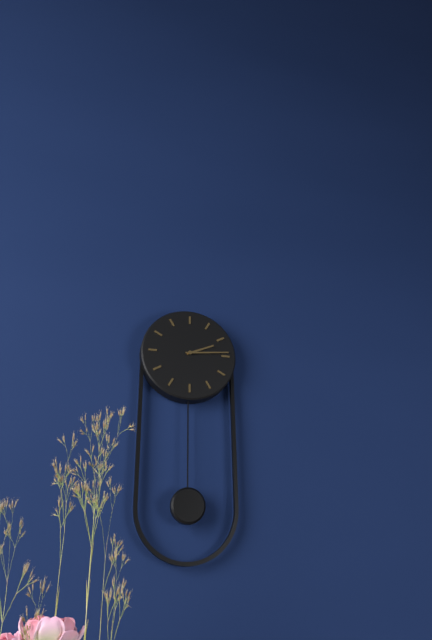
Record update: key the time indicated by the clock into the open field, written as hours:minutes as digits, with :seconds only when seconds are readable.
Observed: 2:14
